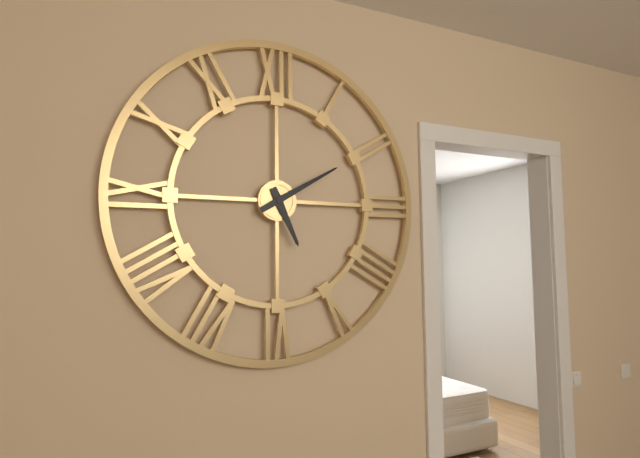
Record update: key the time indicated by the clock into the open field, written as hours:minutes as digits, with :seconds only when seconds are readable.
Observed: 5:10
